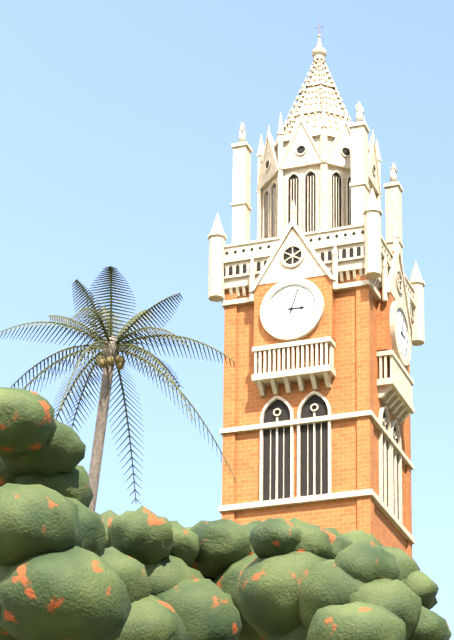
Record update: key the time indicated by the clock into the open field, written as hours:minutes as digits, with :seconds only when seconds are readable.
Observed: 3:03
